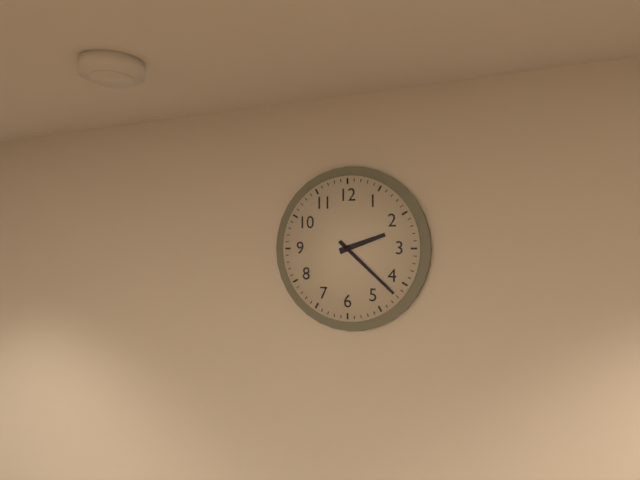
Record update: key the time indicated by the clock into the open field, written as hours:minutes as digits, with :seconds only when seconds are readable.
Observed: 2:22
